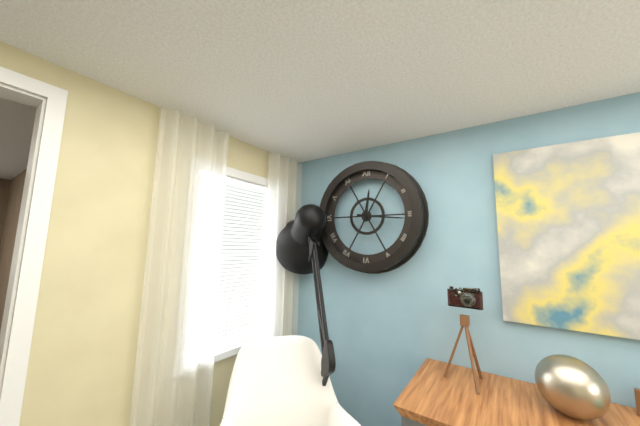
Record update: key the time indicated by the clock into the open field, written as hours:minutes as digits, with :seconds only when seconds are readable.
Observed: 12:16
